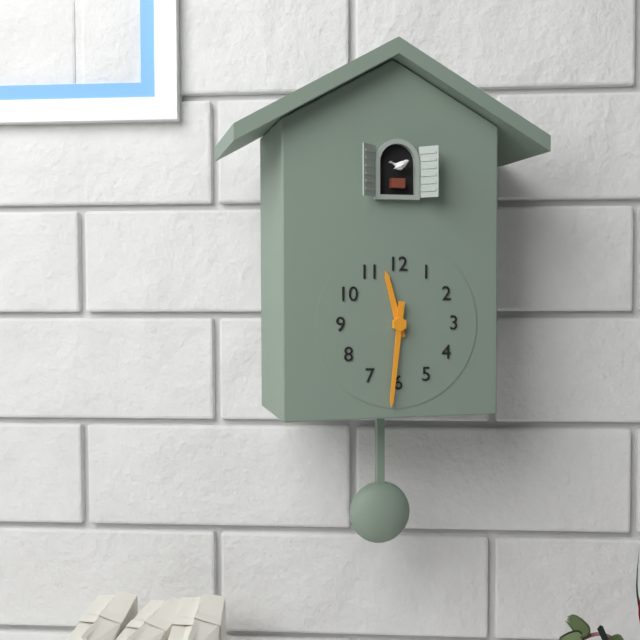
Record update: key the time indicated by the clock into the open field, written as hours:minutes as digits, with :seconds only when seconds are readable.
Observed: 11:31
